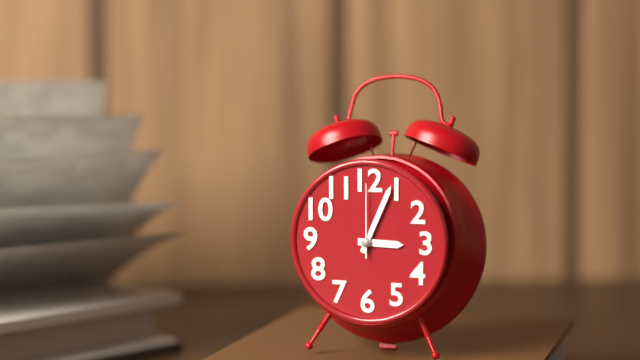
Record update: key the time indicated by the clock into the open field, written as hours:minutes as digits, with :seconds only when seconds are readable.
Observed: 3:04:00
